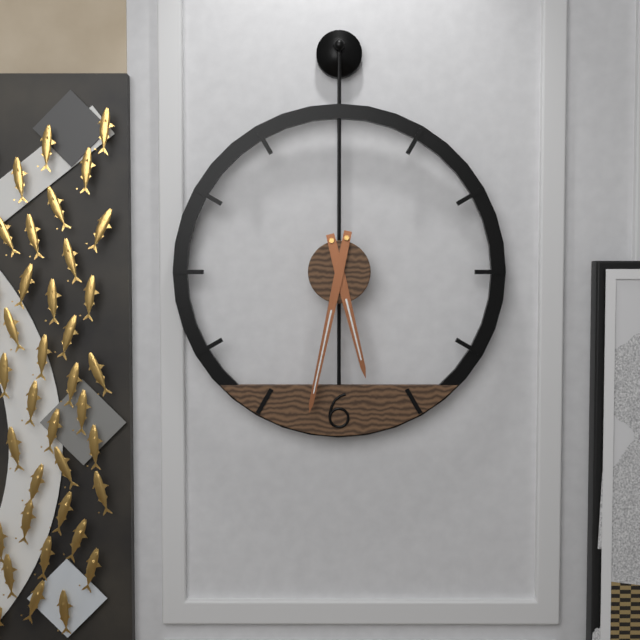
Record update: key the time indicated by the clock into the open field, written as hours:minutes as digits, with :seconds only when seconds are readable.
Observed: 5:32
